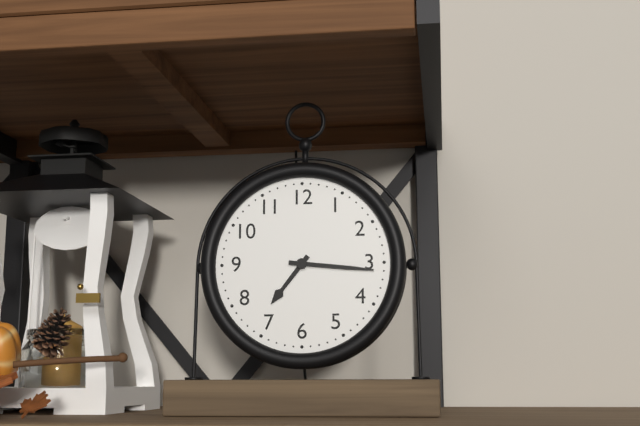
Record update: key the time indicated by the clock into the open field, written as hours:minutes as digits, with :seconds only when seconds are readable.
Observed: 7:16
